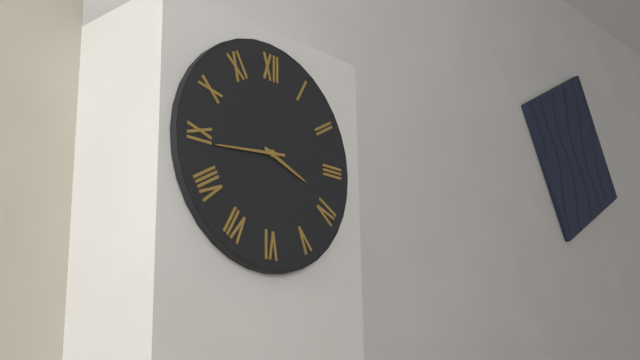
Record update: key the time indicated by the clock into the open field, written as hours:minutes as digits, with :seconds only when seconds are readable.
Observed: 3:44
